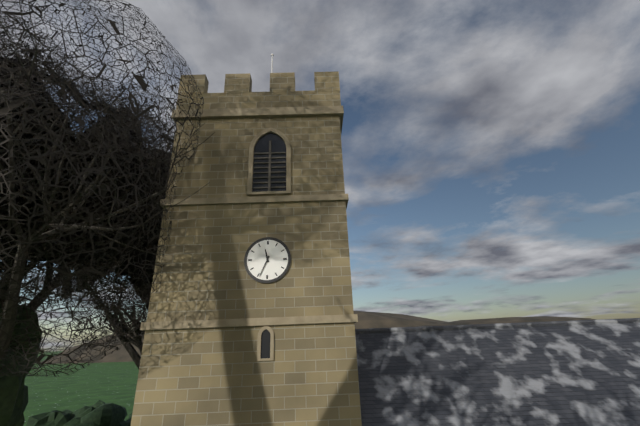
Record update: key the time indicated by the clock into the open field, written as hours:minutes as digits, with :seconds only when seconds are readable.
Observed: 11:34
